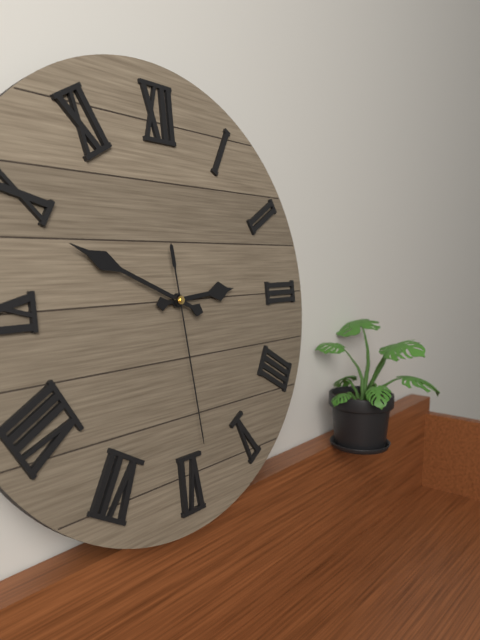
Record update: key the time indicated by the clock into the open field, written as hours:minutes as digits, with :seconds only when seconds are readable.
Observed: 2:49:29
